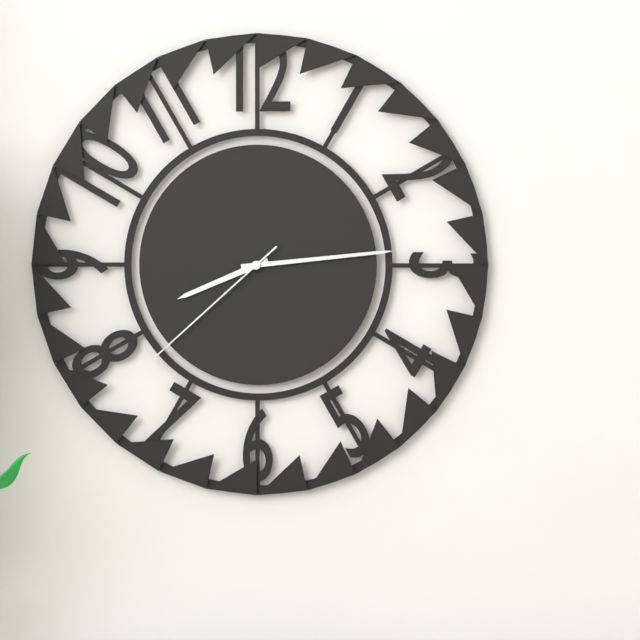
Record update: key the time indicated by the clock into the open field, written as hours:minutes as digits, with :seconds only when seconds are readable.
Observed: 8:14:38
